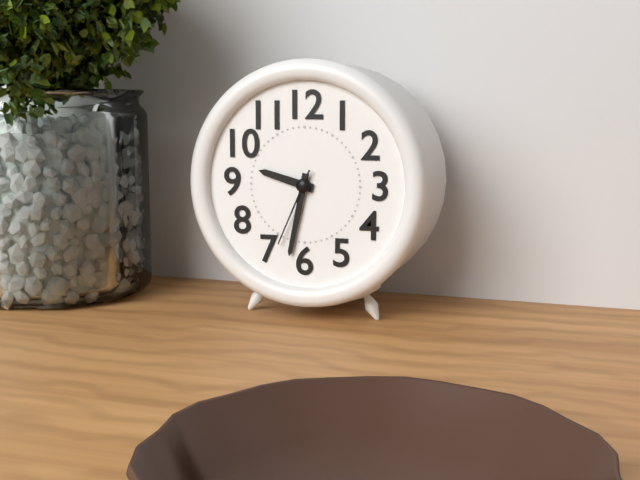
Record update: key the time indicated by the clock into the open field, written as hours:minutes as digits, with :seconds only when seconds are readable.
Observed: 9:32:34
